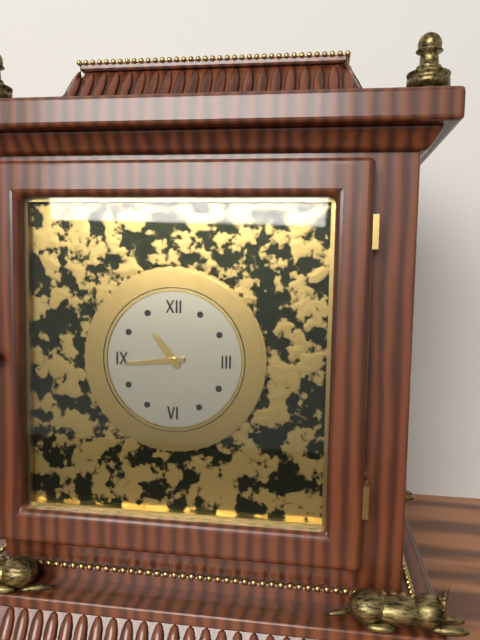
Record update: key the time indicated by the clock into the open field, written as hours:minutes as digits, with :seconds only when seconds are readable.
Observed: 10:44
